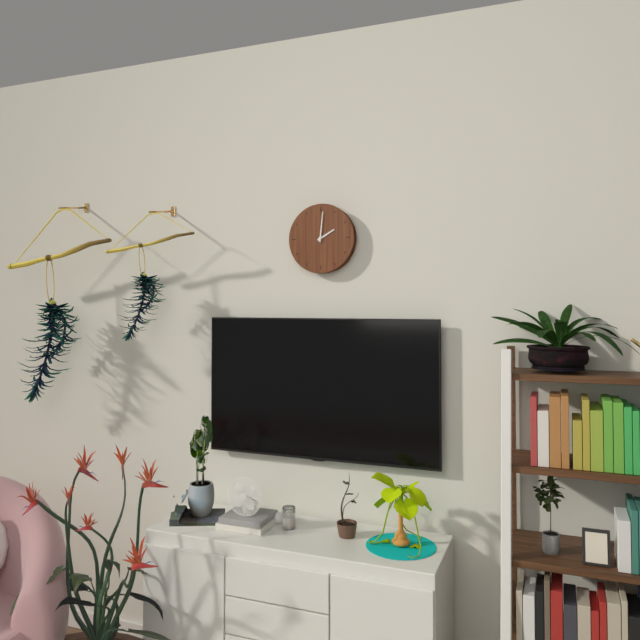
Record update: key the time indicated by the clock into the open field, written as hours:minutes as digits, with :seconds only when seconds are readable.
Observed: 2:01
